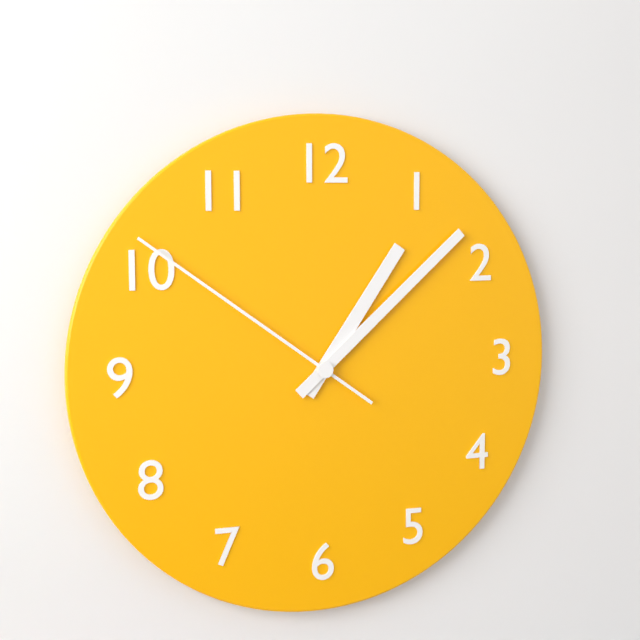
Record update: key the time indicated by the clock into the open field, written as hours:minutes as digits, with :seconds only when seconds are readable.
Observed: 1:08:51
